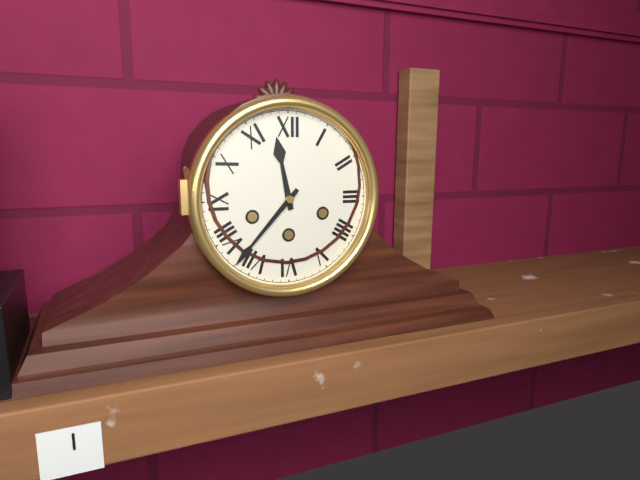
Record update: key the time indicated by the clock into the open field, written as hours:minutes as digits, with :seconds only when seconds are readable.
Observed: 11:37
